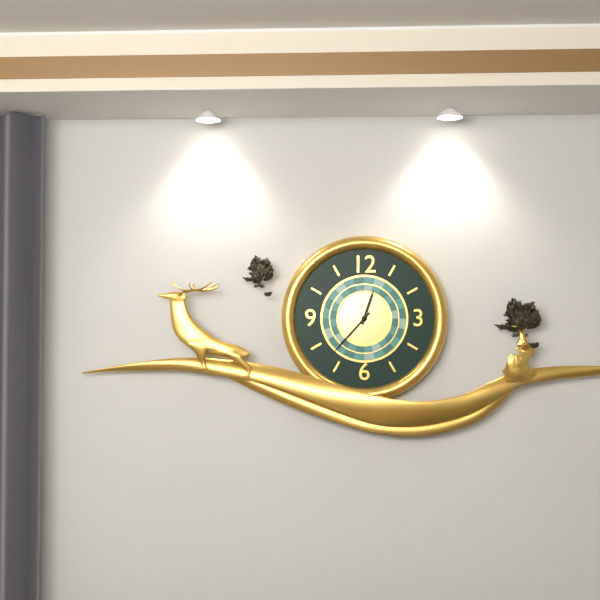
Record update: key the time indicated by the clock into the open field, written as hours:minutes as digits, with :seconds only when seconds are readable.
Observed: 12:37
